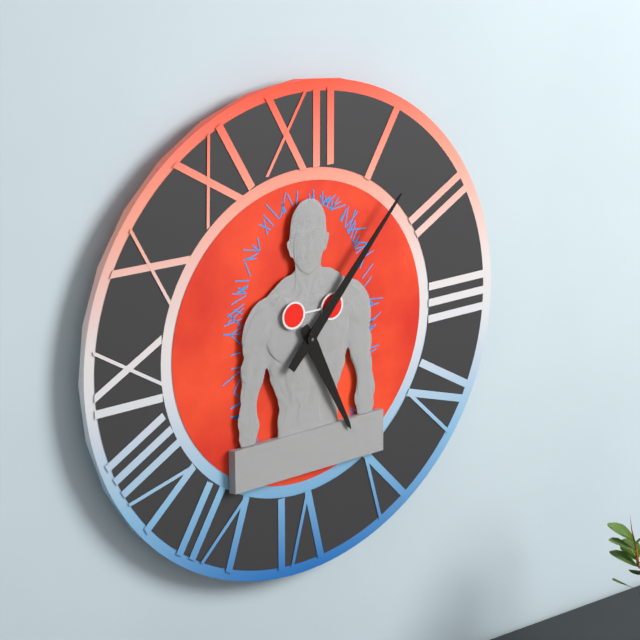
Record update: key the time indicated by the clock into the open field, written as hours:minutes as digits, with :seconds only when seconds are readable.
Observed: 5:07
